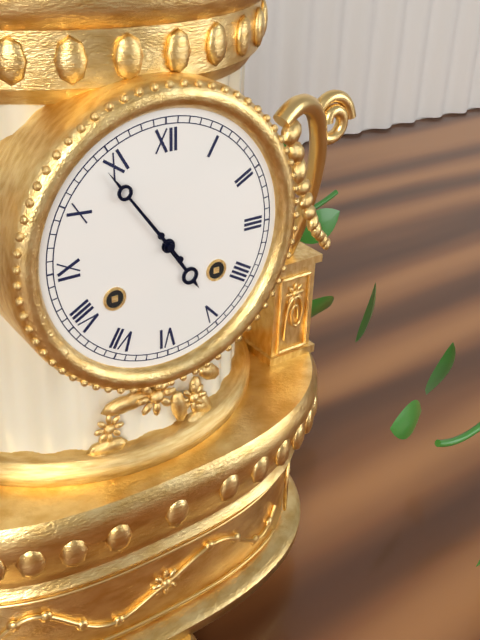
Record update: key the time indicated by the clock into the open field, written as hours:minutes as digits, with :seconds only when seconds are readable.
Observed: 4:54
